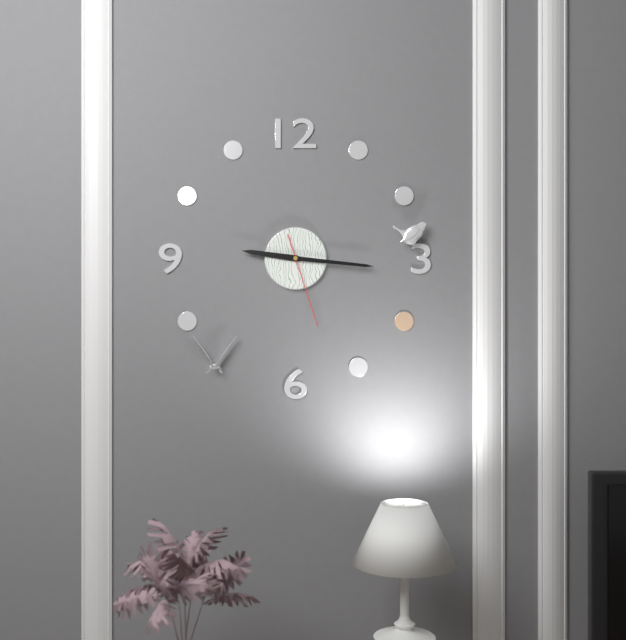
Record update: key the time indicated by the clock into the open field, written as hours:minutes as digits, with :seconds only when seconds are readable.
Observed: 9:16:27
